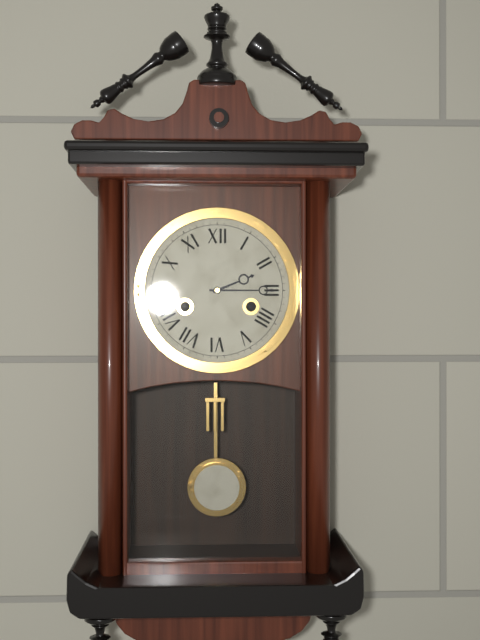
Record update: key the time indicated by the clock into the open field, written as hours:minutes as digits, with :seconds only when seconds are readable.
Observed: 2:15
